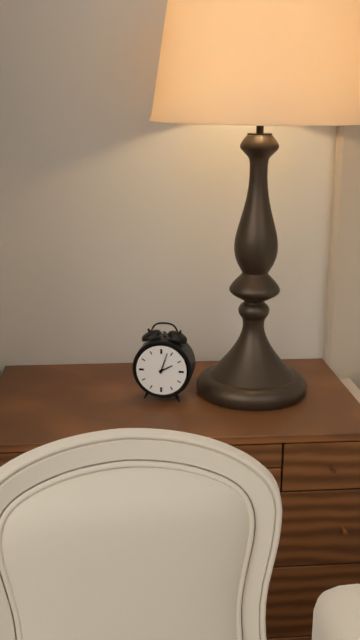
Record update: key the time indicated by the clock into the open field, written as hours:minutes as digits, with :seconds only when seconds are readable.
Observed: 2:03
